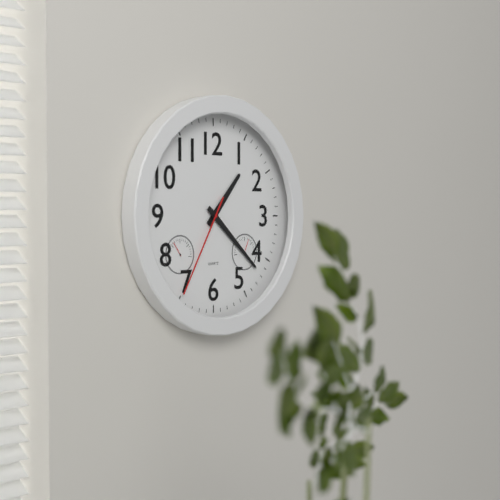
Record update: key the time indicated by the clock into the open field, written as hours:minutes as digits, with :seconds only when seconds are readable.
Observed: 1:22:35
